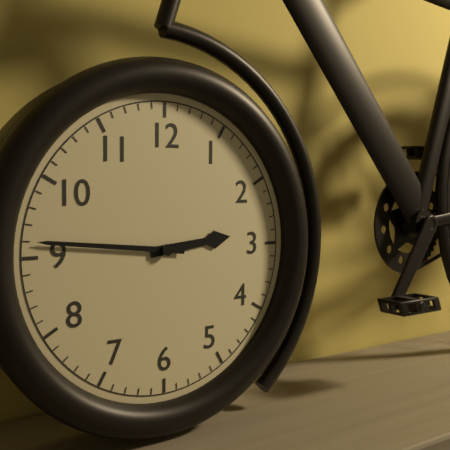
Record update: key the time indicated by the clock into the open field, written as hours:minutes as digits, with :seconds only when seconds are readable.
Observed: 2:46
